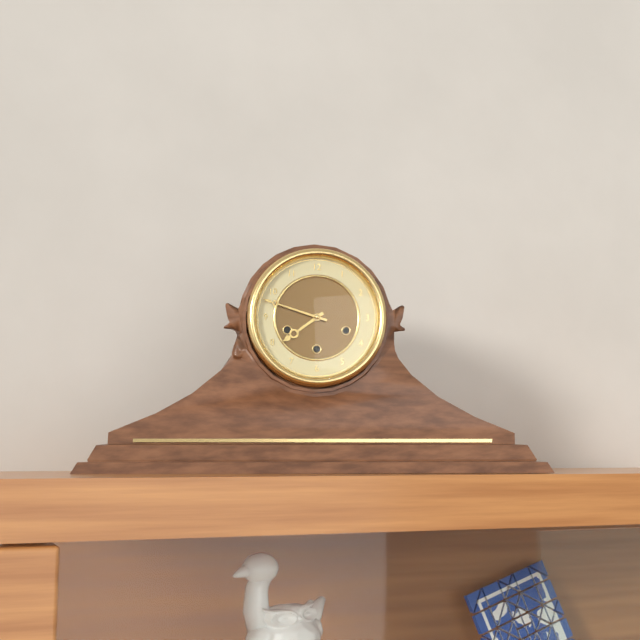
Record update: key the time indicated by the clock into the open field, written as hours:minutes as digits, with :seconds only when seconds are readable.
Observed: 7:48
